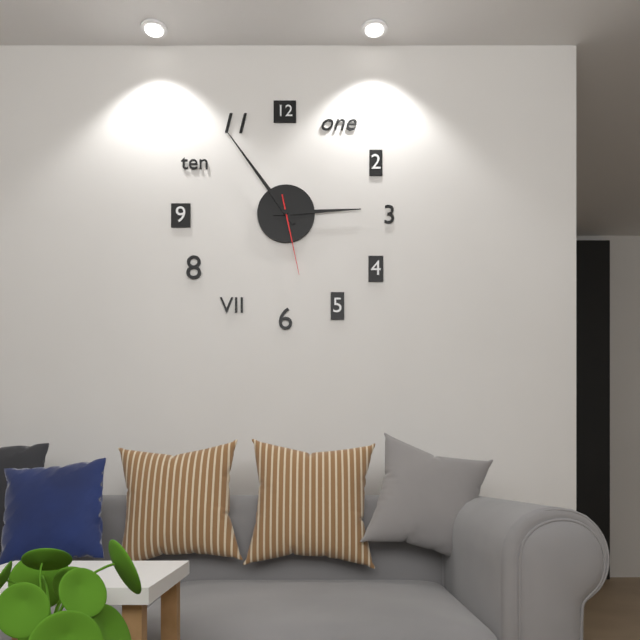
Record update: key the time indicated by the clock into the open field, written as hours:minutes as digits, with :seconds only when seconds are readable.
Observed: 2:54:28
